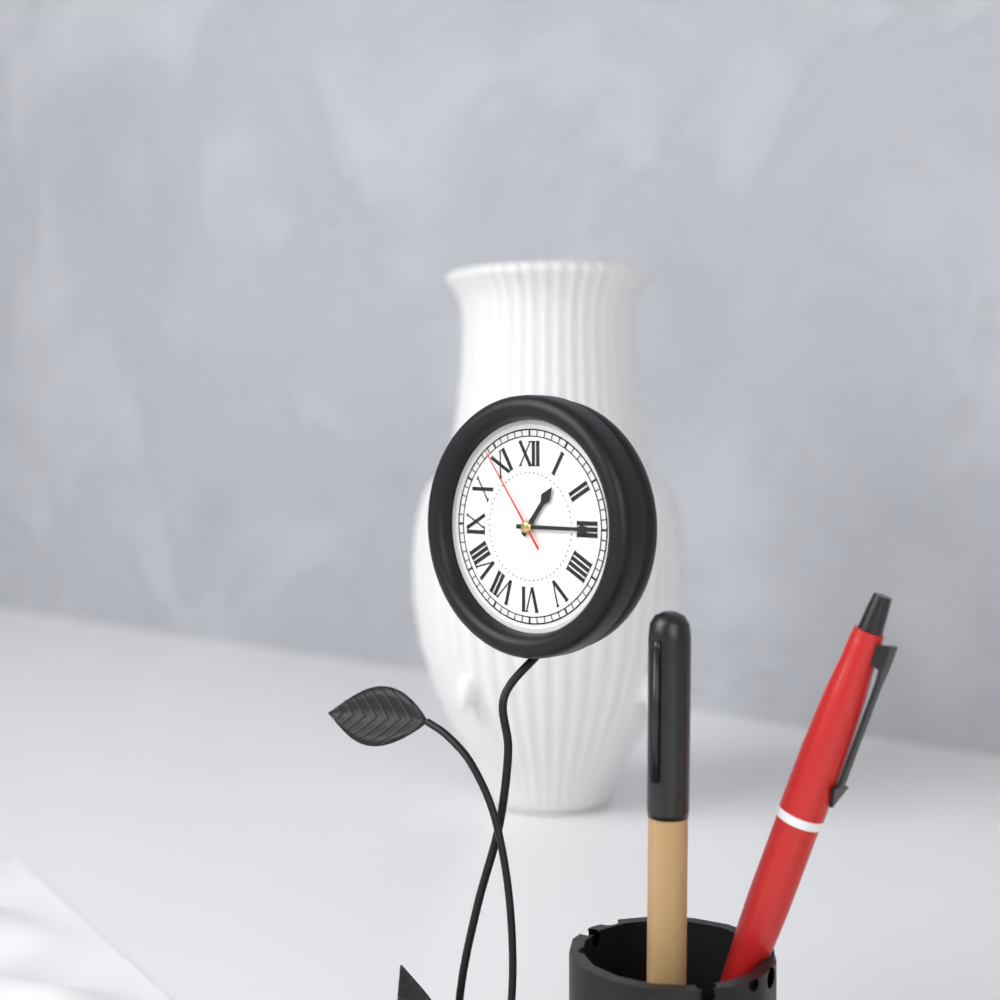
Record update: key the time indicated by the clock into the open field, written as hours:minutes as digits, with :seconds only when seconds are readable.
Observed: 1:15:54
